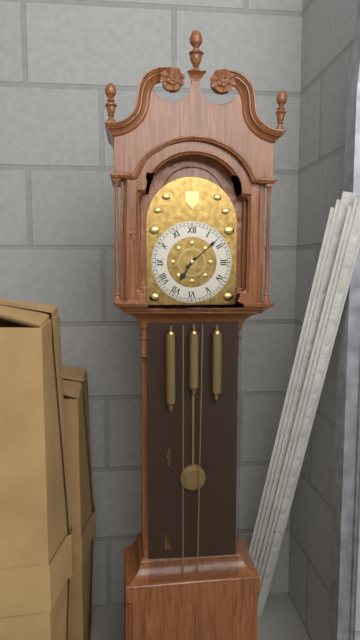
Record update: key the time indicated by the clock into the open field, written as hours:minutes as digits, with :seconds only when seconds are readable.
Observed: 7:08
